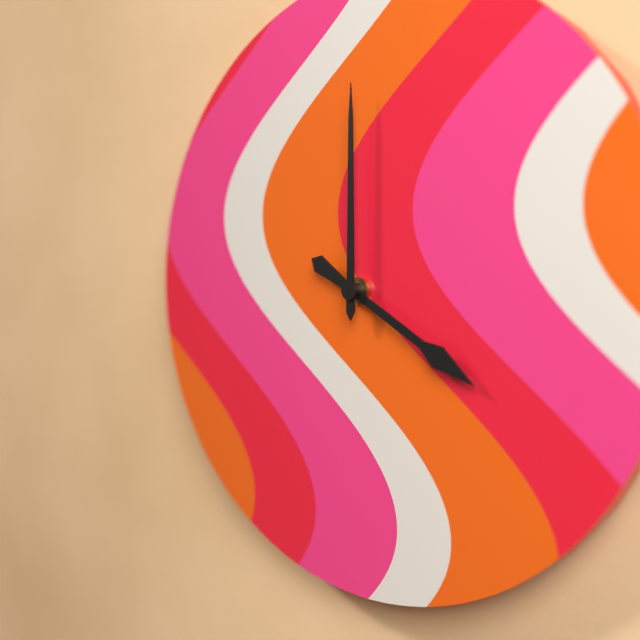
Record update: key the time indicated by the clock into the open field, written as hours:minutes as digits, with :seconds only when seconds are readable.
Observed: 4:00
